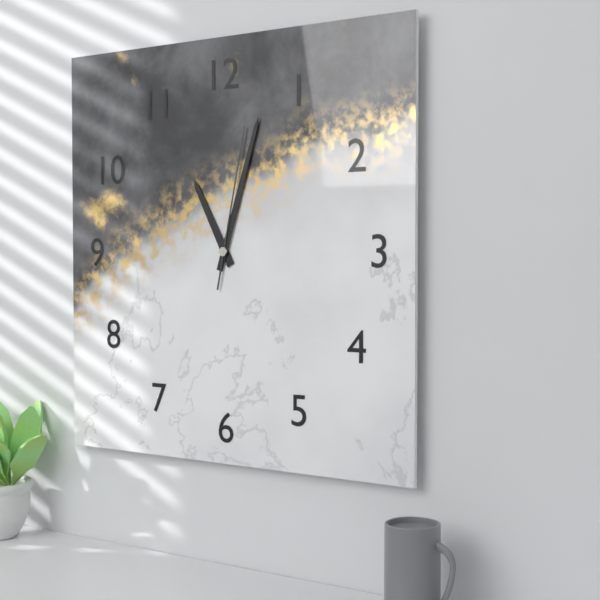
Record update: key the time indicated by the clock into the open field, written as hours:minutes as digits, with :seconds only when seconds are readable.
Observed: 11:03:02
